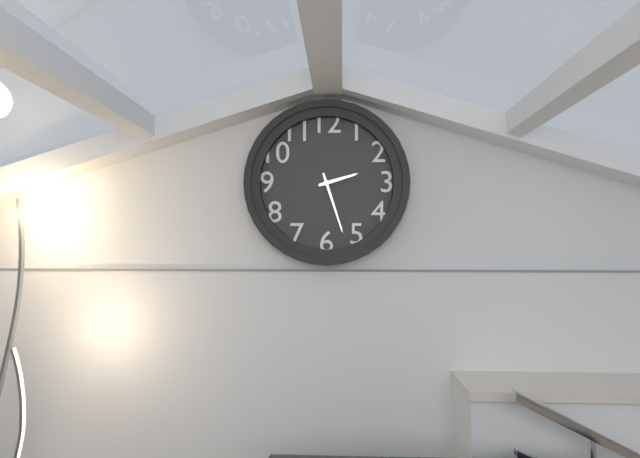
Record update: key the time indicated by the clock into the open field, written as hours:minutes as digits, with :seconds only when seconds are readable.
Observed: 2:27
